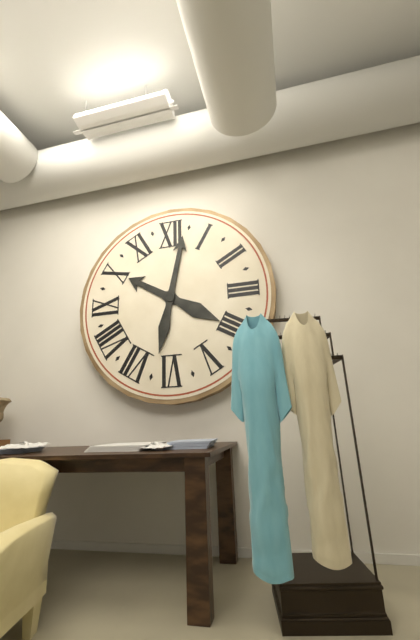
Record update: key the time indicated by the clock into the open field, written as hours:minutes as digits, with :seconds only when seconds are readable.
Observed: 10:02
